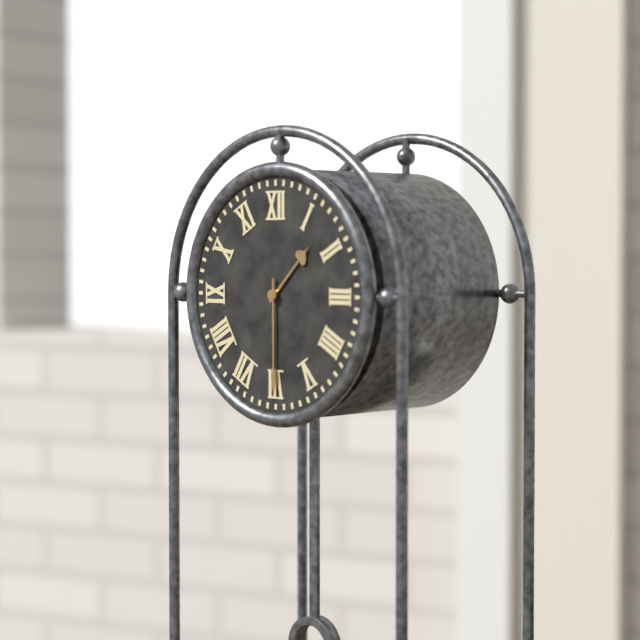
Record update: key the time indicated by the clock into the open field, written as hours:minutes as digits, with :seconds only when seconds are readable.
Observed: 1:30
